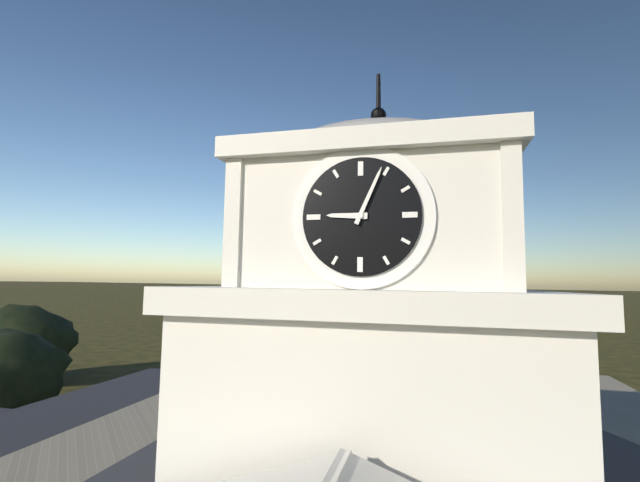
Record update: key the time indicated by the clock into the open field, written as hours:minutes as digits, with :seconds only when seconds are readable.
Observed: 9:04
